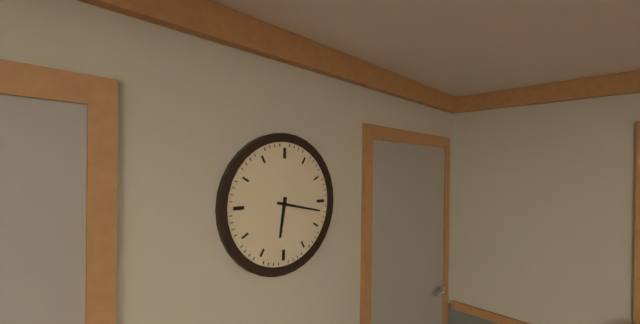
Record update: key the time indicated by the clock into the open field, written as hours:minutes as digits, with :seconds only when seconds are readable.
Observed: 6:17
